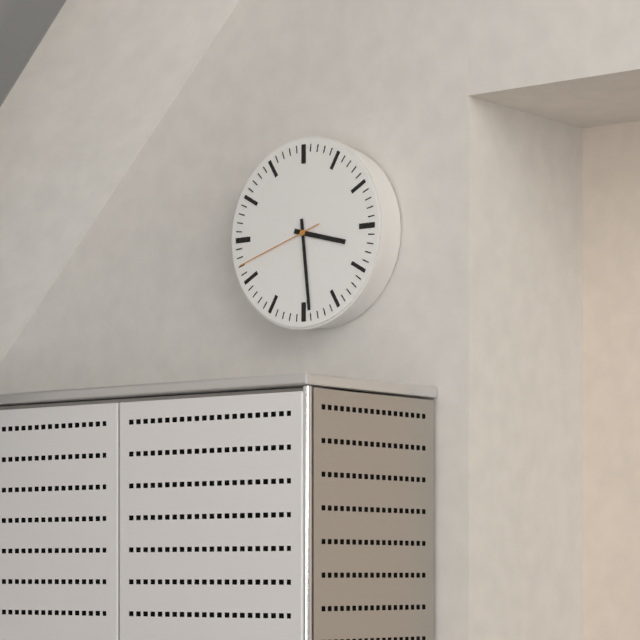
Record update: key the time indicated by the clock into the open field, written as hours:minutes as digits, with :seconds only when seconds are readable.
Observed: 3:29:42
